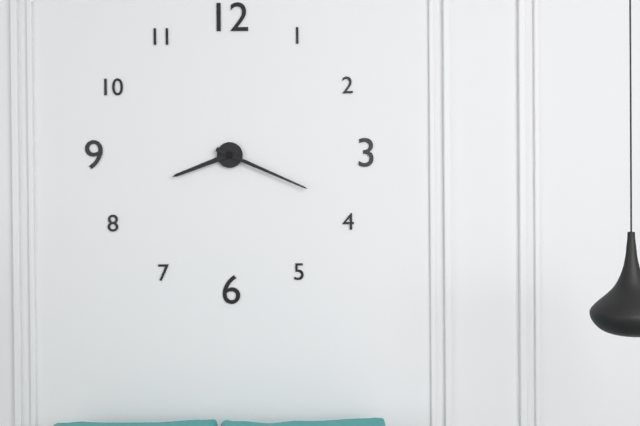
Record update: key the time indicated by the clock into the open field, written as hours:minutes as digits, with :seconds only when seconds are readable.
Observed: 8:19
